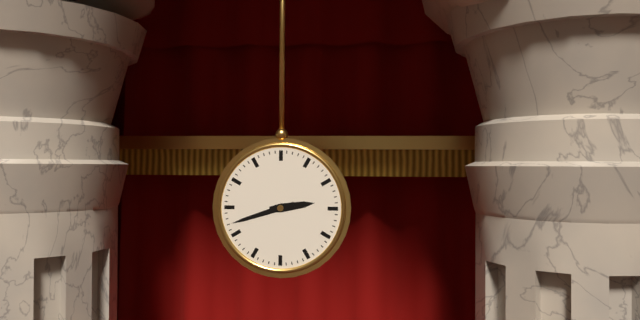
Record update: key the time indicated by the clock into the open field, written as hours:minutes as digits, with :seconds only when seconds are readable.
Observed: 2:42
